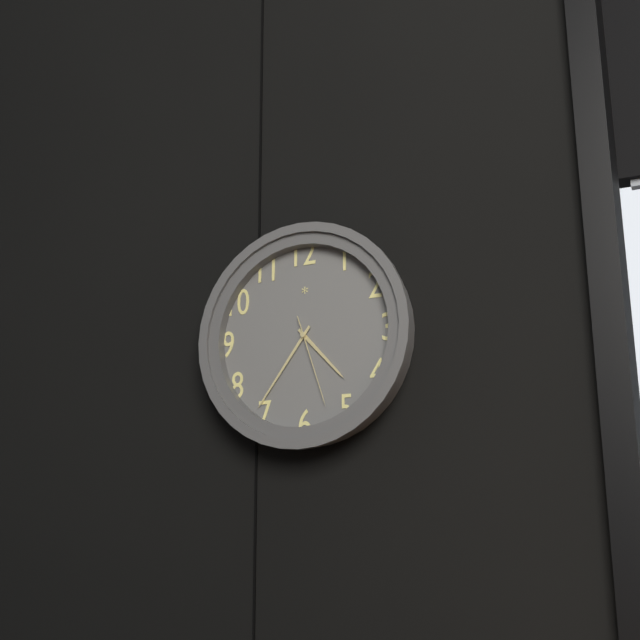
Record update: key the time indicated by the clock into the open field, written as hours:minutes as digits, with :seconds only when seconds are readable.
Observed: 4:36:27
